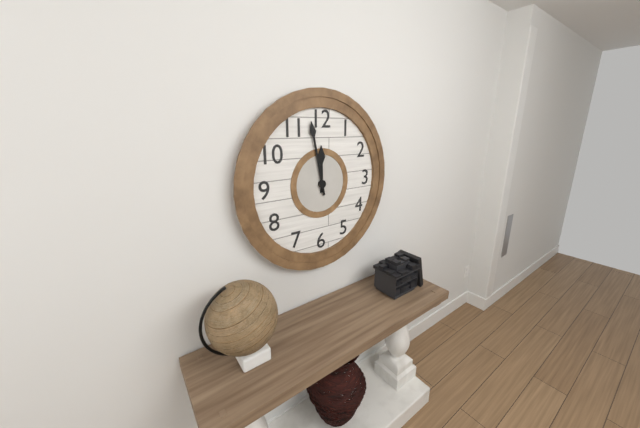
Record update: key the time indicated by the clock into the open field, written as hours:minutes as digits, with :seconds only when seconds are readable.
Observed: 11:58
